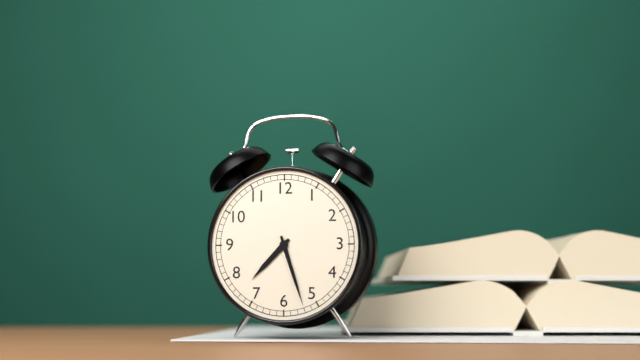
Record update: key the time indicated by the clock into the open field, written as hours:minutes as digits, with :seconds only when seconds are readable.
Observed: 7:27
